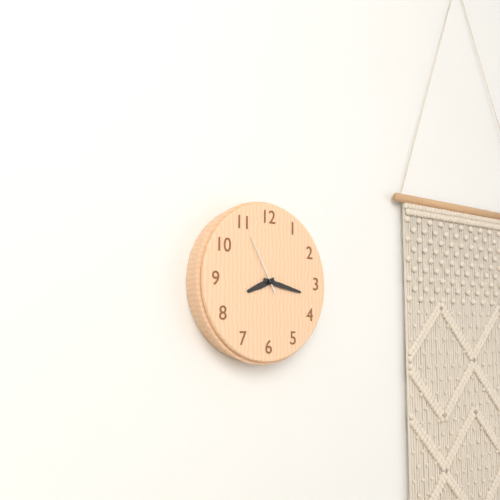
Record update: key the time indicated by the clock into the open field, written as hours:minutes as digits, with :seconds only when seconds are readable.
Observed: 8:17:55
